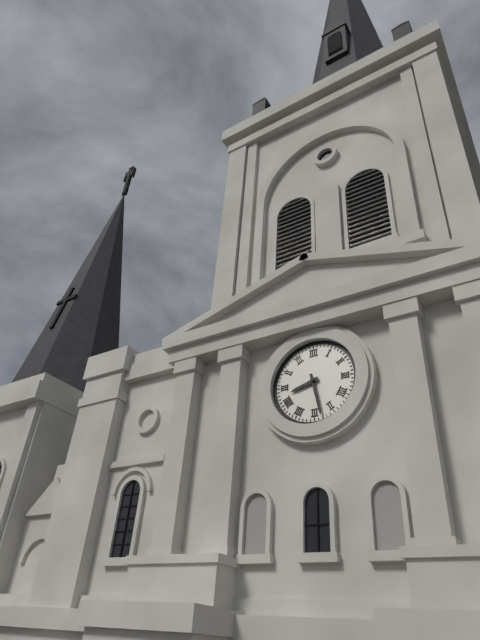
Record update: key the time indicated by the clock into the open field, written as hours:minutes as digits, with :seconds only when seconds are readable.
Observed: 8:28
